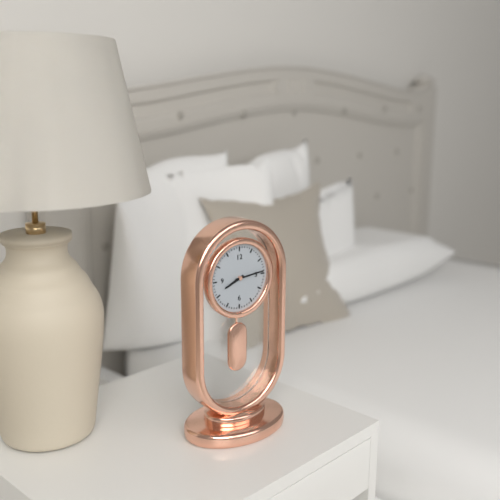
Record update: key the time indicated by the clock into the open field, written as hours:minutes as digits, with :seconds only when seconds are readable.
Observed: 8:14
